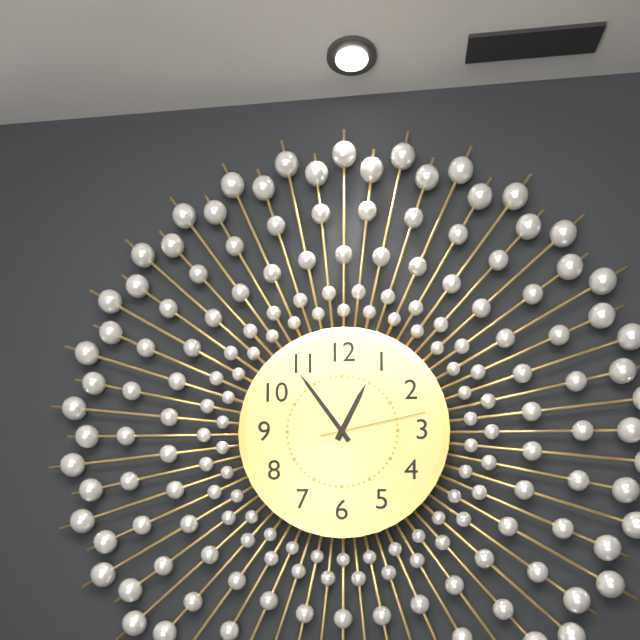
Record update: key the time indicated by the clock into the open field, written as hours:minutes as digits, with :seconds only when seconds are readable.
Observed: 12:54:13
